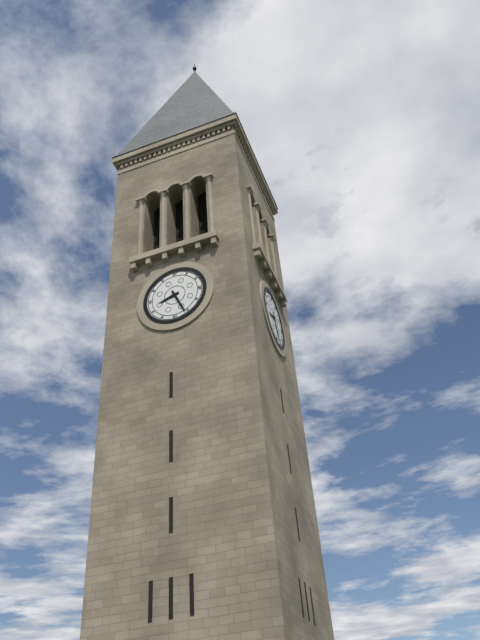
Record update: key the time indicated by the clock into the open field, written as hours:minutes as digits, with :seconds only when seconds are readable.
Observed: 8:26
